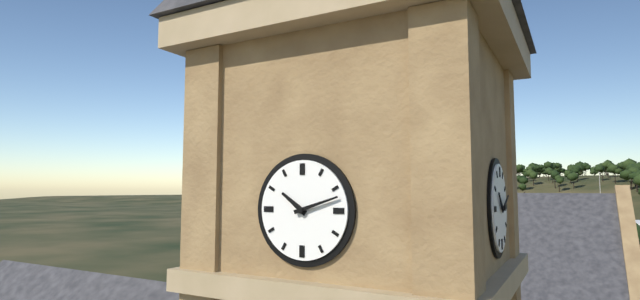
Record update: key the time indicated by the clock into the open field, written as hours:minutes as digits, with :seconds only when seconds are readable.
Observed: 10:12
